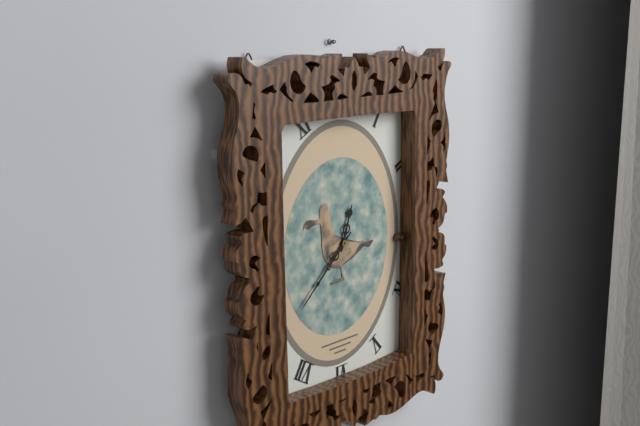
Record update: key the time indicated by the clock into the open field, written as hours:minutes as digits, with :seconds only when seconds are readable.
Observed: 12:38
